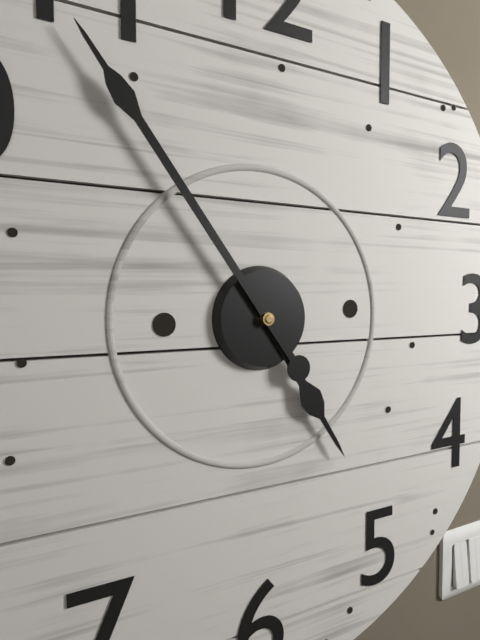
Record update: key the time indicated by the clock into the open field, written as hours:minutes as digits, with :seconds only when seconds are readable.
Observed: 4:54
